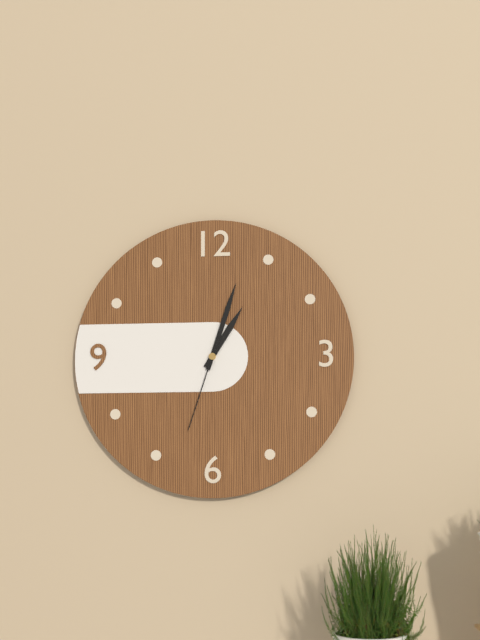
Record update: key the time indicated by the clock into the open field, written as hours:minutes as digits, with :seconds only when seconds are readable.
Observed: 1:03:33
